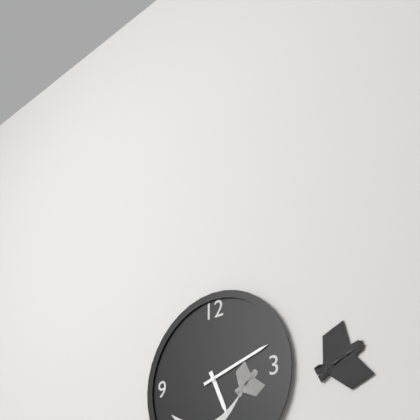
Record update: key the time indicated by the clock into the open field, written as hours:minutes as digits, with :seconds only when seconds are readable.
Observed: 5:12
